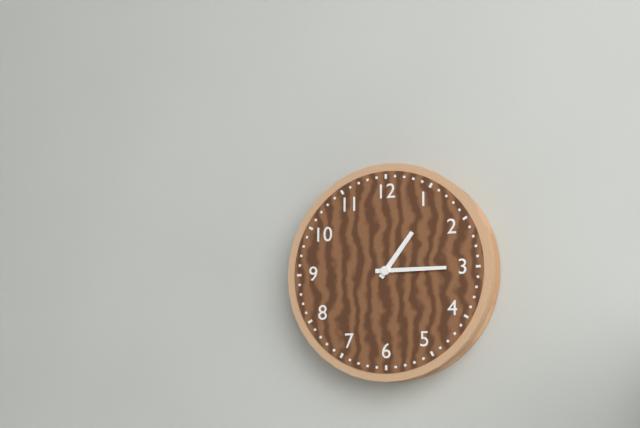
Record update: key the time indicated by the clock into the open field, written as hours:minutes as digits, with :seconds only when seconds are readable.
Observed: 1:15
